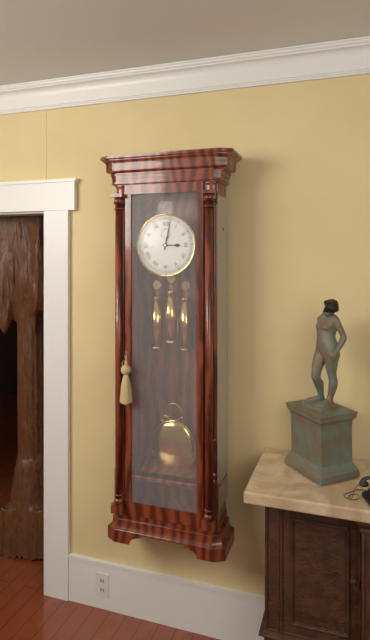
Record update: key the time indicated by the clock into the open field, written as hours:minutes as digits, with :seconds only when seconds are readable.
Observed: 3:02
